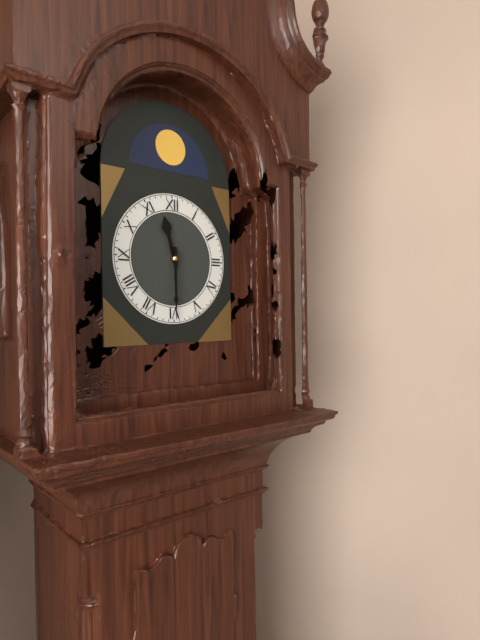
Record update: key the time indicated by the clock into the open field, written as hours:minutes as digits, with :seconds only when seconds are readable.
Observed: 11:30
